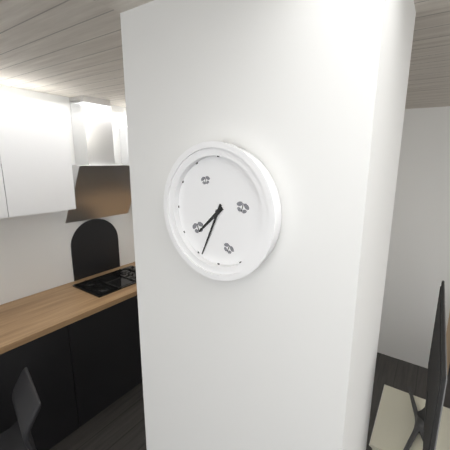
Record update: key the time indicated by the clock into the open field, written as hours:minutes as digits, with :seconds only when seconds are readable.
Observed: 7:34
